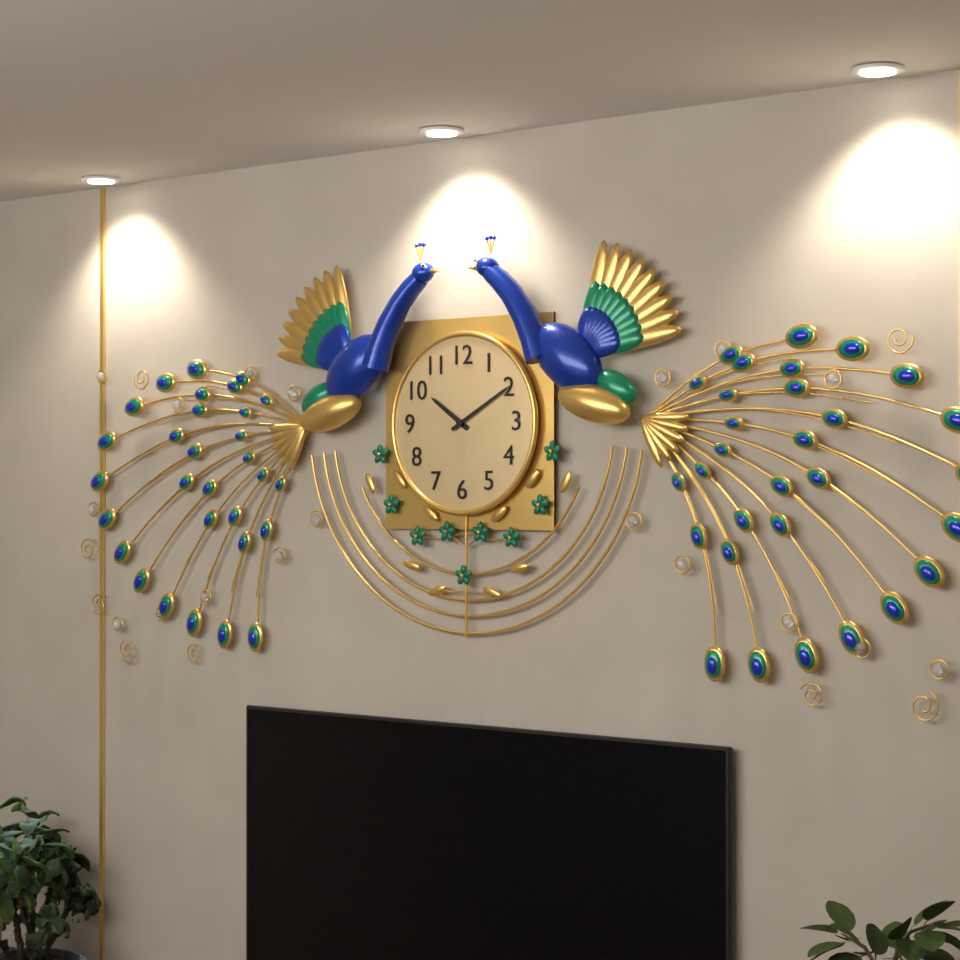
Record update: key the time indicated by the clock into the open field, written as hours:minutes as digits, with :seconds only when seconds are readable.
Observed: 10:10
